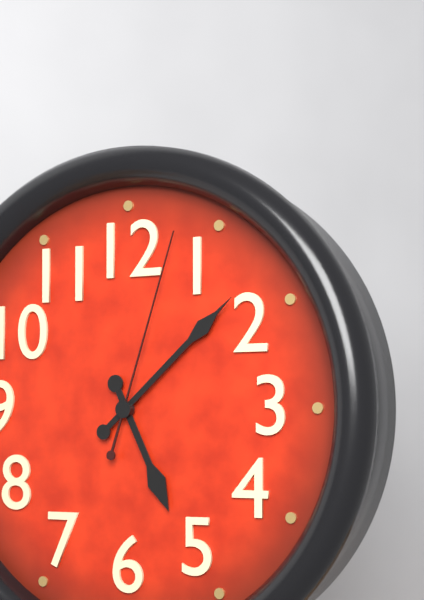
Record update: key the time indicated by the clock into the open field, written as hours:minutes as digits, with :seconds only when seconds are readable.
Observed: 5:08:03
